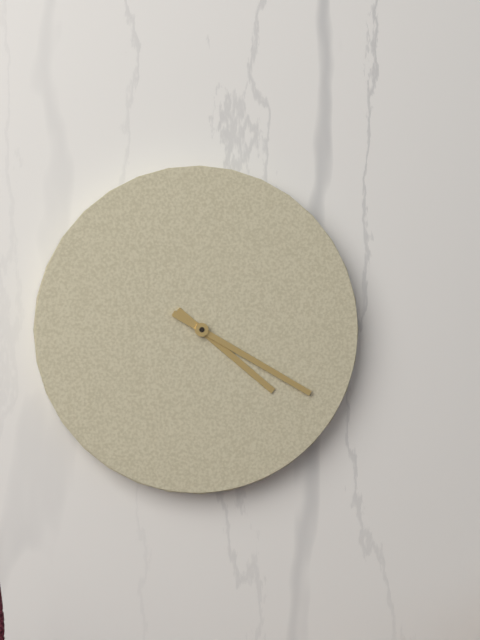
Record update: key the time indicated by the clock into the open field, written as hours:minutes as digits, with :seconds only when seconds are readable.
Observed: 4:20
